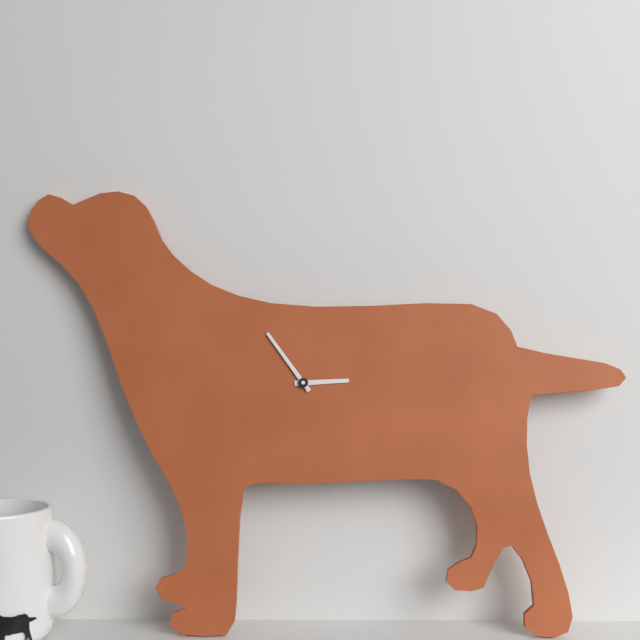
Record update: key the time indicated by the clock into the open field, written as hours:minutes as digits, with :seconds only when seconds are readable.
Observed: 2:54
